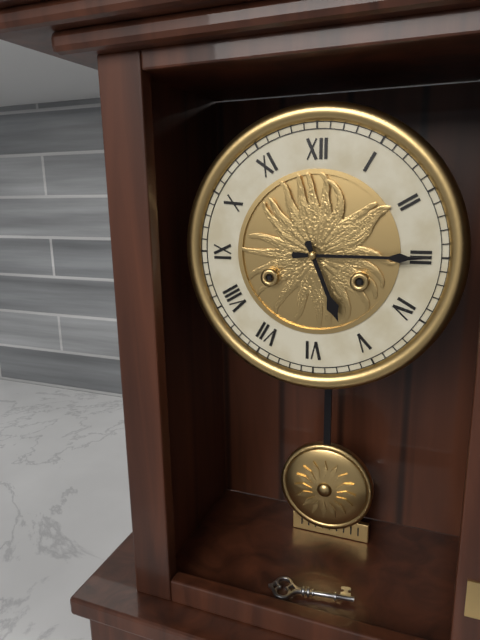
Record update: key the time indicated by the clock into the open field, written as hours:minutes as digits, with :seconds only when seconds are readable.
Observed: 5:15
